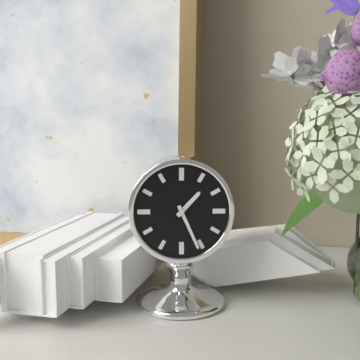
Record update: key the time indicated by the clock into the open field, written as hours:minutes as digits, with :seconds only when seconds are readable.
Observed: 1:26
